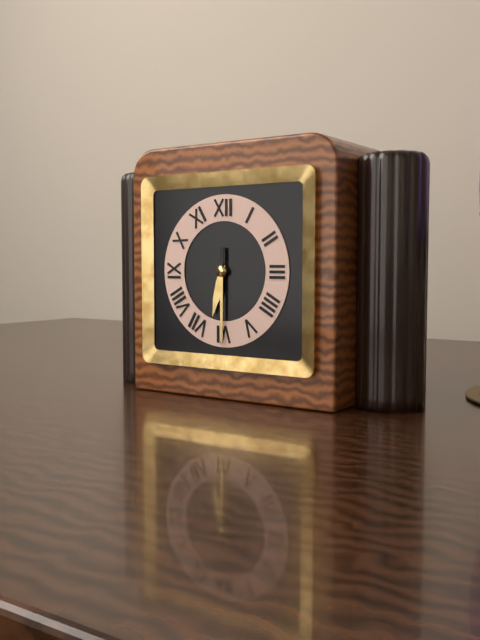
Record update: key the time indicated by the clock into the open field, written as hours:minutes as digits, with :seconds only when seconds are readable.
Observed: 6:30
